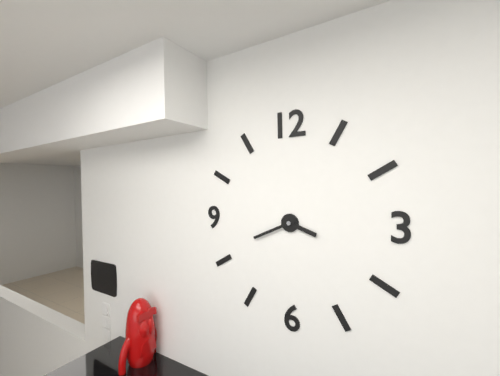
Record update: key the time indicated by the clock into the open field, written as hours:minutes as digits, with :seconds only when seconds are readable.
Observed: 3:41
